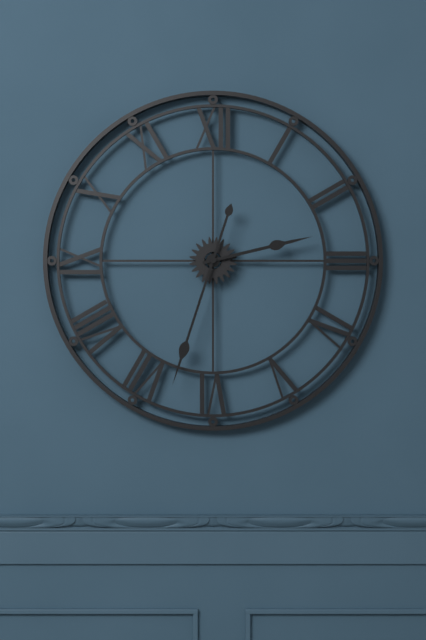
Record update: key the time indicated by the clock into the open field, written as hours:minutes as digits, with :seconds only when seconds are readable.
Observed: 2:33
